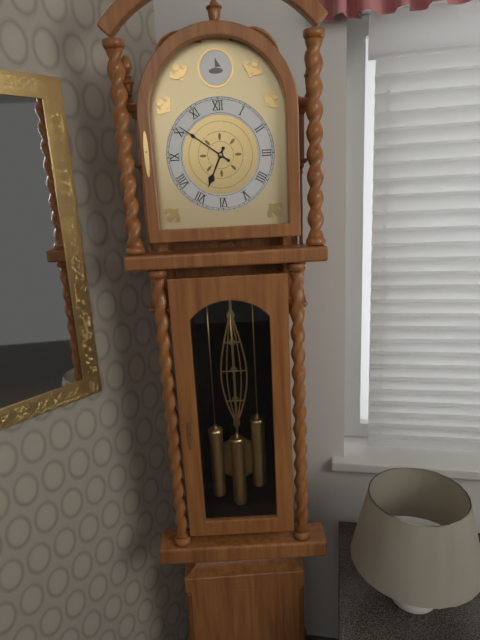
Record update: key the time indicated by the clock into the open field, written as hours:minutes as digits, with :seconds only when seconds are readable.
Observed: 6:51
